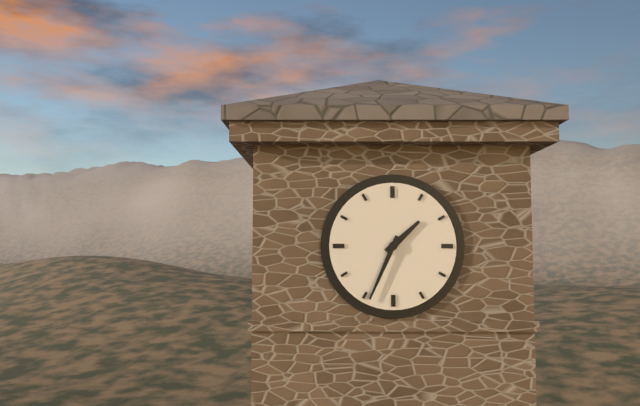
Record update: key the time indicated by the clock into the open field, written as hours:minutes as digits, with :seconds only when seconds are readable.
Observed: 1:34
